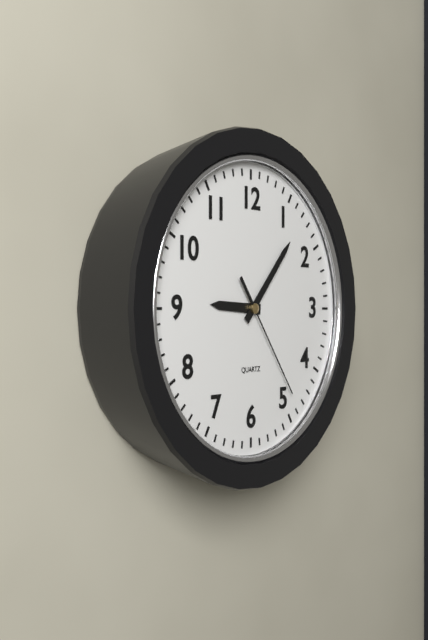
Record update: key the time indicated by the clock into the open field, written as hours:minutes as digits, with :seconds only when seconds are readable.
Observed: 9:07:24
